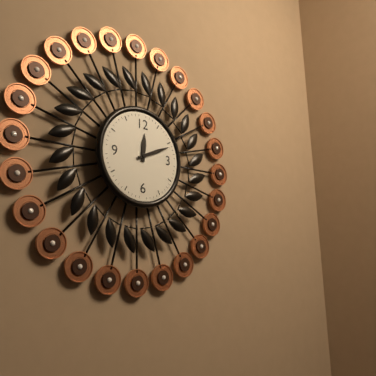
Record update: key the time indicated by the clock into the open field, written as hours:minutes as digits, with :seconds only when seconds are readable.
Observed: 12:11
